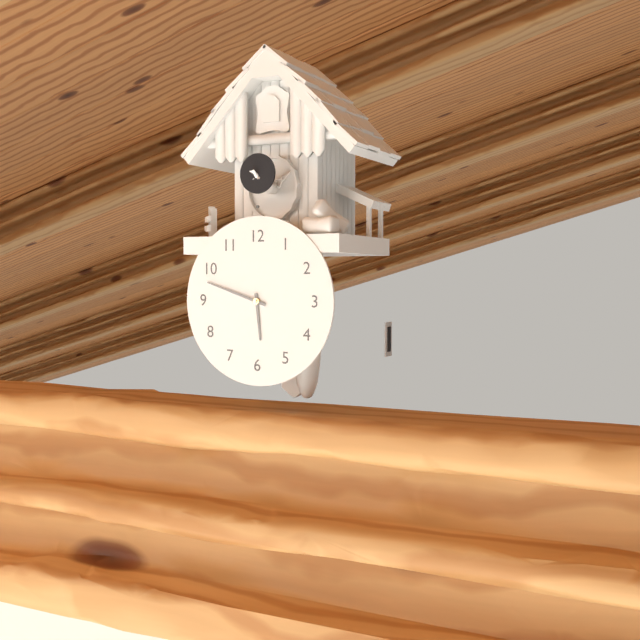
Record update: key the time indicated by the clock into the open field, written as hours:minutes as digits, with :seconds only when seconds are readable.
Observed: 5:48
